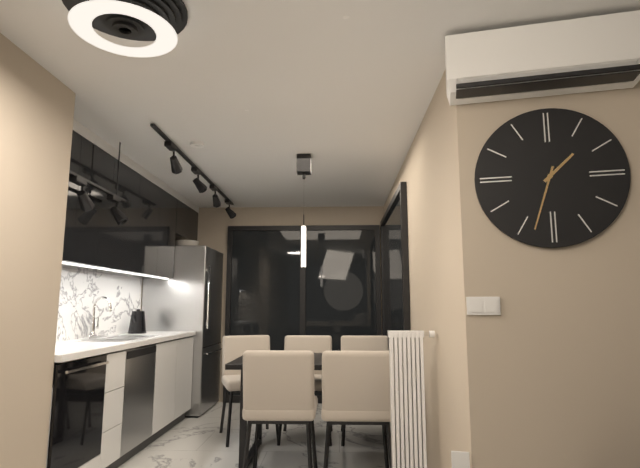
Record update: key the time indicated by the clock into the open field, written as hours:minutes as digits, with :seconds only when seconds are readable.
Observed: 1:33
